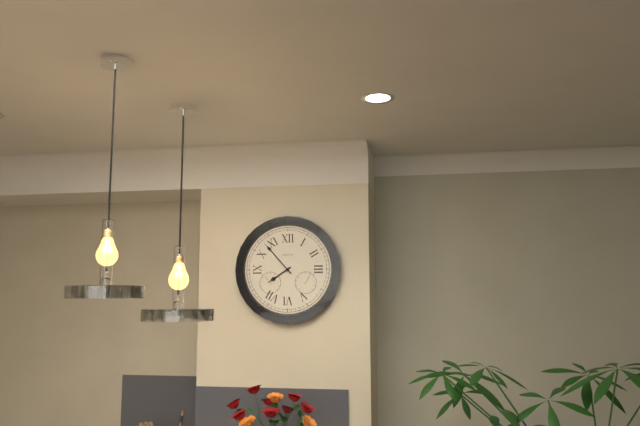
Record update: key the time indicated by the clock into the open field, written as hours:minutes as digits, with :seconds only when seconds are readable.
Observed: 7:53
